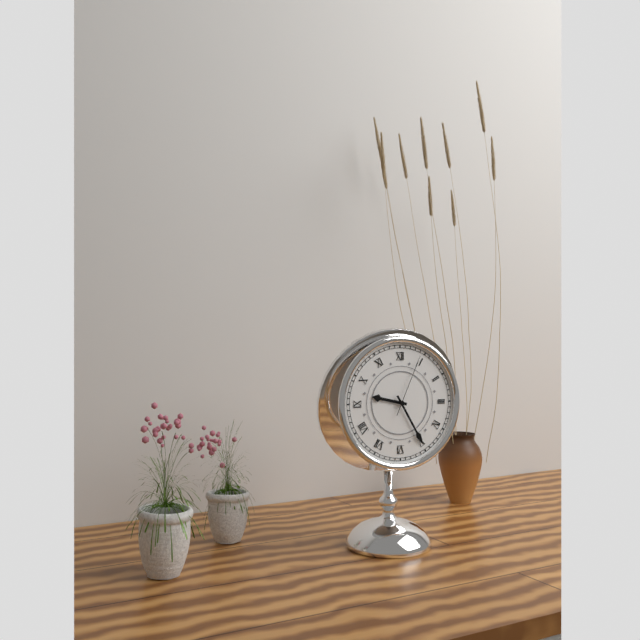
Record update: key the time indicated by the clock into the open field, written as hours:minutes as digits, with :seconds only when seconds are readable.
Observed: 9:25:04
